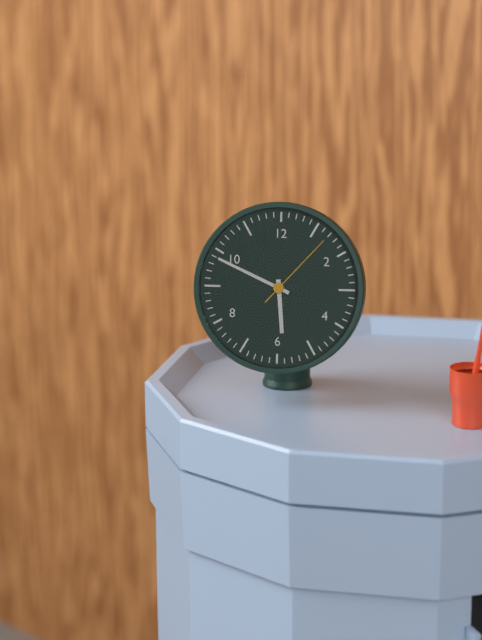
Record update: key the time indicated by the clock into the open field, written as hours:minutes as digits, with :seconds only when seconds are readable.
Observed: 5:49:07
